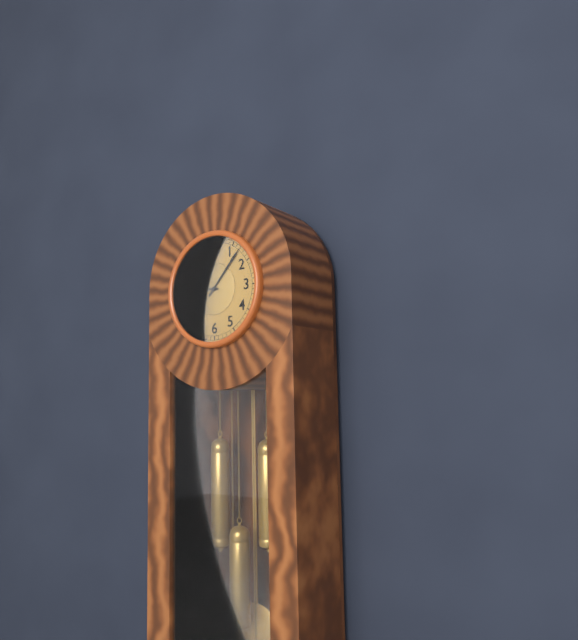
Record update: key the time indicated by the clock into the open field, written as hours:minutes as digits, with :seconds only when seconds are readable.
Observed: 9:07
